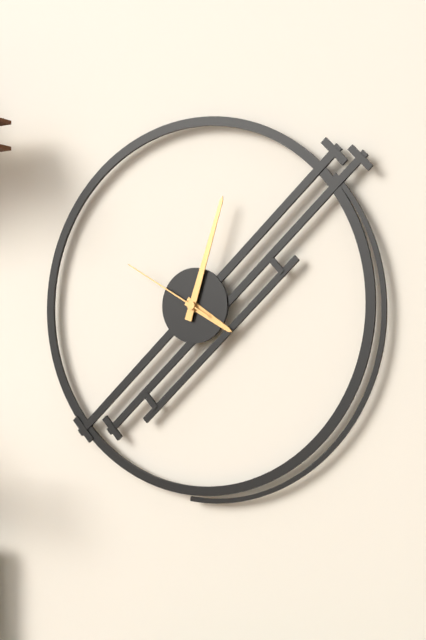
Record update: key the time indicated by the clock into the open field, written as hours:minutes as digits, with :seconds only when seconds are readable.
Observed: 4:03:50
